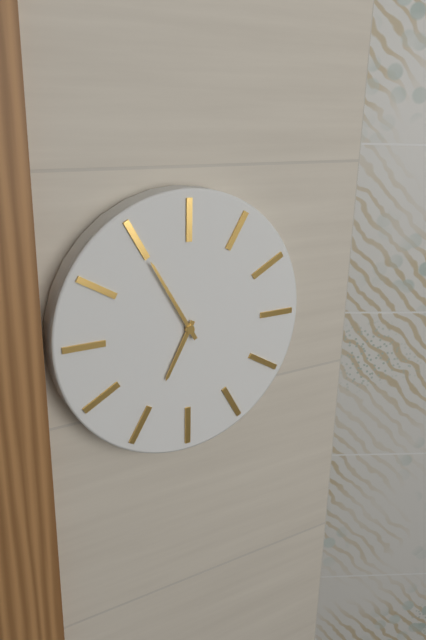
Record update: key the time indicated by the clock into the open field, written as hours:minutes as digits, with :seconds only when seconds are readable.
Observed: 6:55
